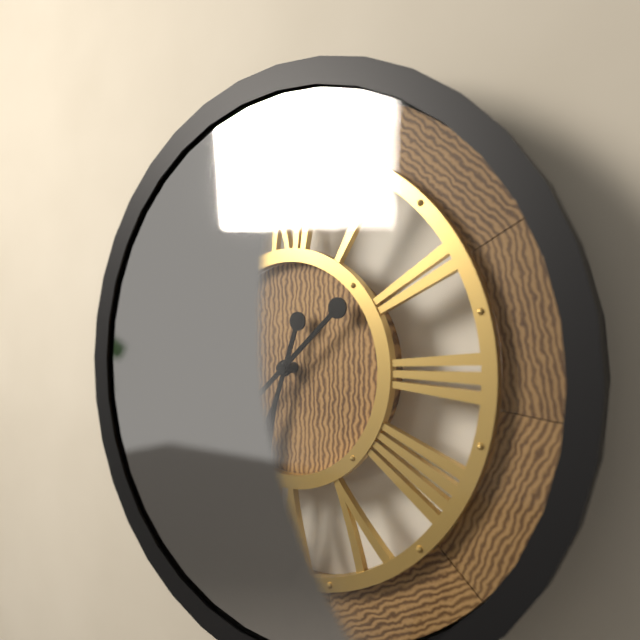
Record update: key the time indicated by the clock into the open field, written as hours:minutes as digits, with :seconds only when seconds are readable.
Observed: 6:38
